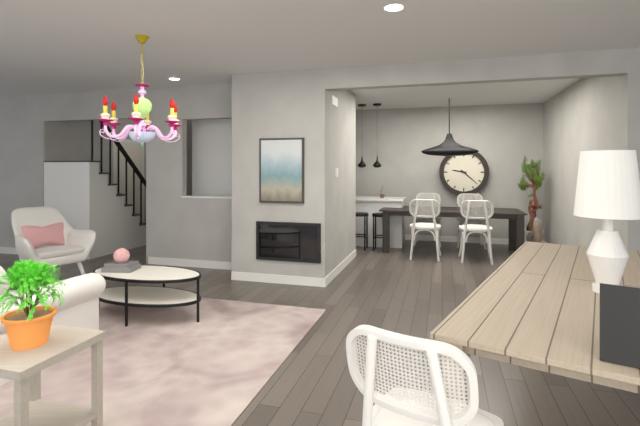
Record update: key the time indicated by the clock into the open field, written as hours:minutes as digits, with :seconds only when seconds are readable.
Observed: 9:22
